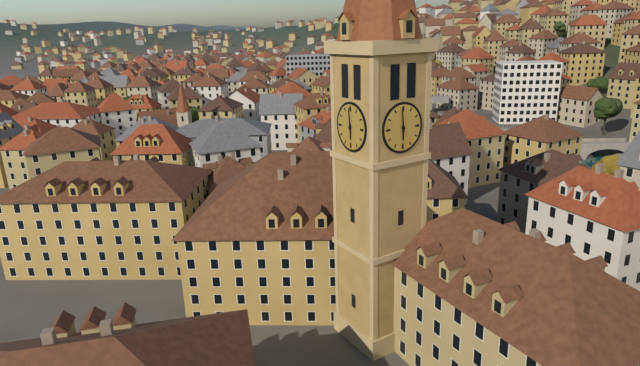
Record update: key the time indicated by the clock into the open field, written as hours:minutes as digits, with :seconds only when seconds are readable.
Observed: 5:59
